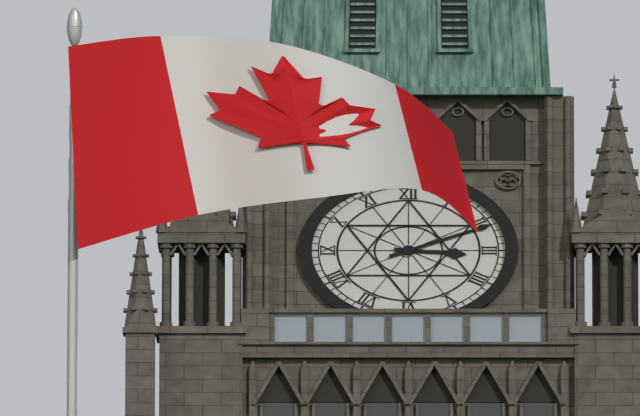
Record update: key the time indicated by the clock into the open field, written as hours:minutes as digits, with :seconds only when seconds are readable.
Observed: 3:11
